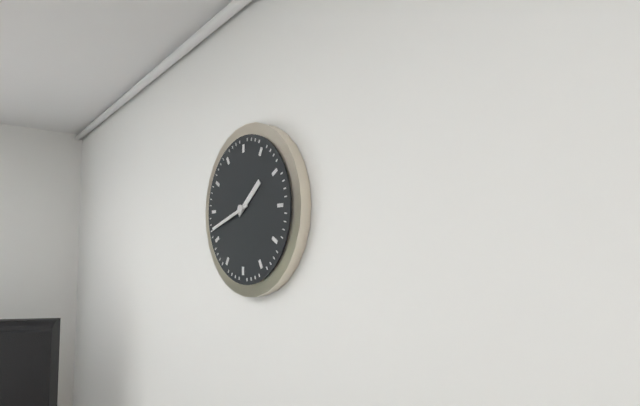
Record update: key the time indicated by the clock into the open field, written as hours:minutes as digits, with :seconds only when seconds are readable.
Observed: 1:42
